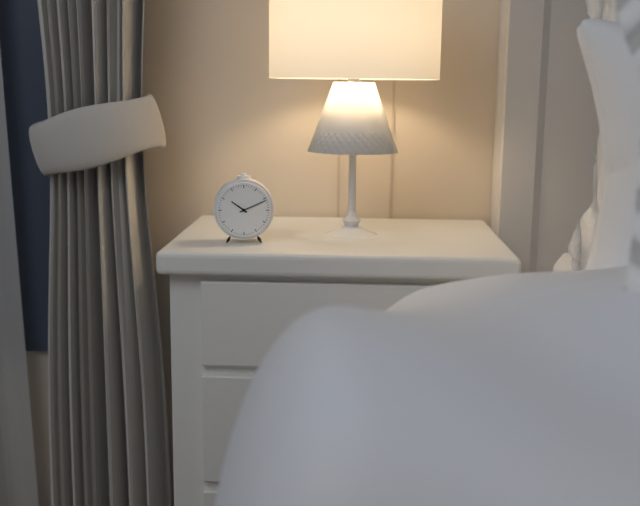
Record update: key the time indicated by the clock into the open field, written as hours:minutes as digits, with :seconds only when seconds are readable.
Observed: 10:11
